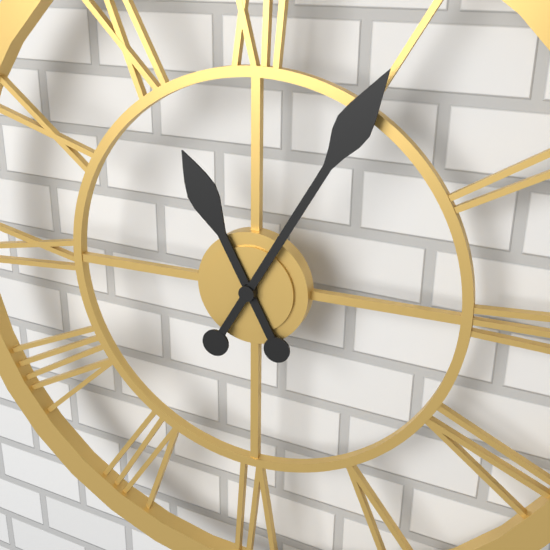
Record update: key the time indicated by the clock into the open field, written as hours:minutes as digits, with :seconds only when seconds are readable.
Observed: 11:05
